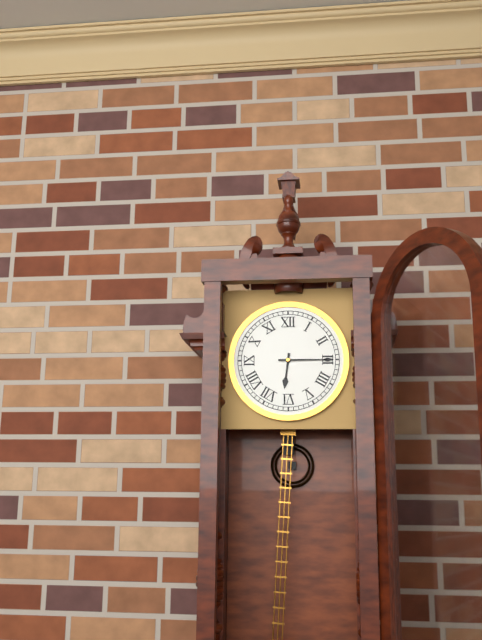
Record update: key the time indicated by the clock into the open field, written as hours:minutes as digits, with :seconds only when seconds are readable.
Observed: 6:15
